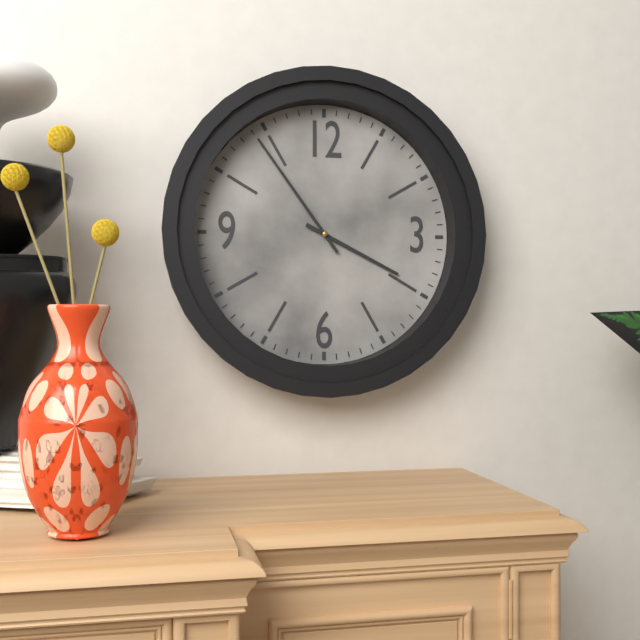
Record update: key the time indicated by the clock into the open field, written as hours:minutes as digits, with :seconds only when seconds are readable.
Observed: 3:54
